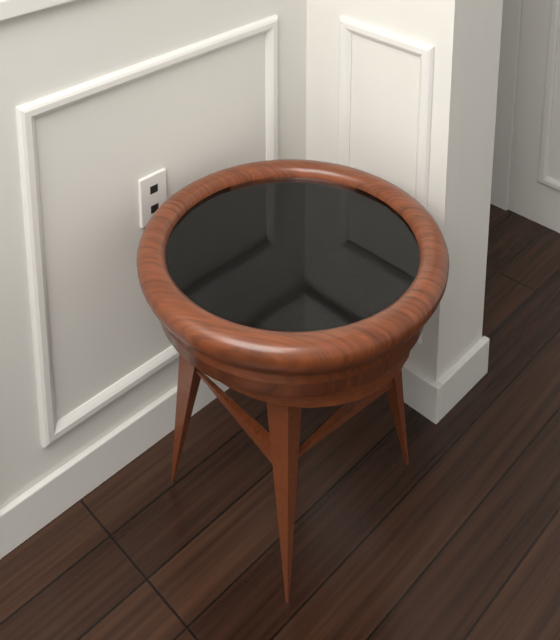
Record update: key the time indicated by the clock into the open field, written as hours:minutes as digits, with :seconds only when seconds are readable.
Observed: 7:42
